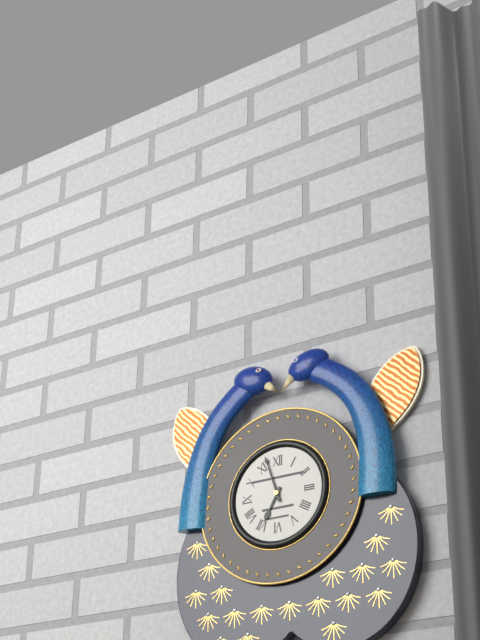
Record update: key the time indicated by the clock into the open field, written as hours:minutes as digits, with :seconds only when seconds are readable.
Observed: 6:57
